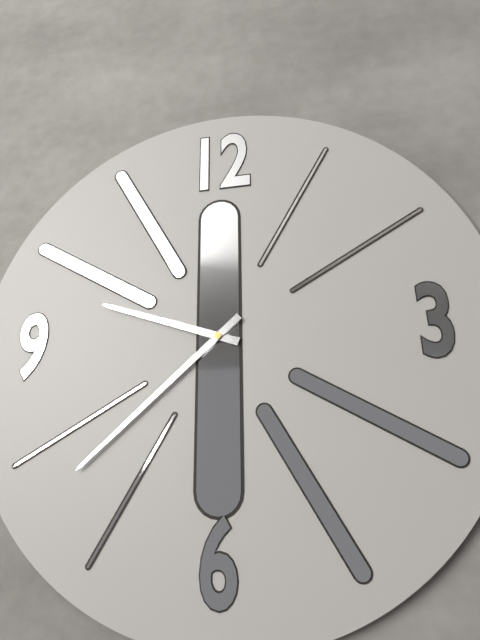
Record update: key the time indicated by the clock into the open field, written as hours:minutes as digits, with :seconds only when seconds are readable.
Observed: 9:38
